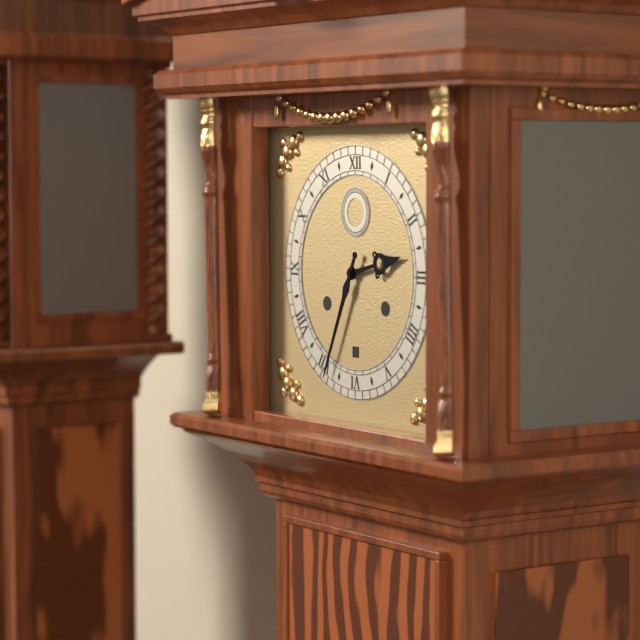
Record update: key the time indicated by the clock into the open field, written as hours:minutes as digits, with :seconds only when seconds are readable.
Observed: 2:34
